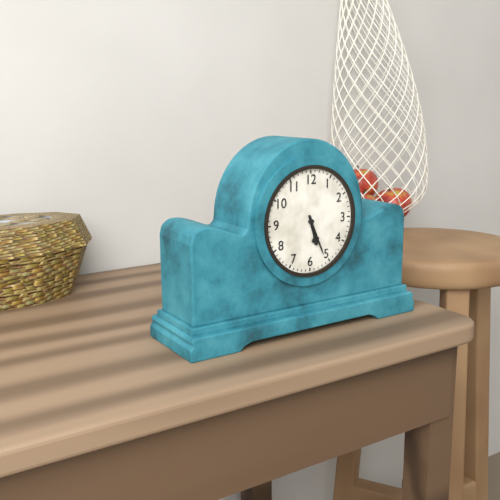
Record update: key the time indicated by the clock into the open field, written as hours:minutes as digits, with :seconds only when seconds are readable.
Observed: 5:26
